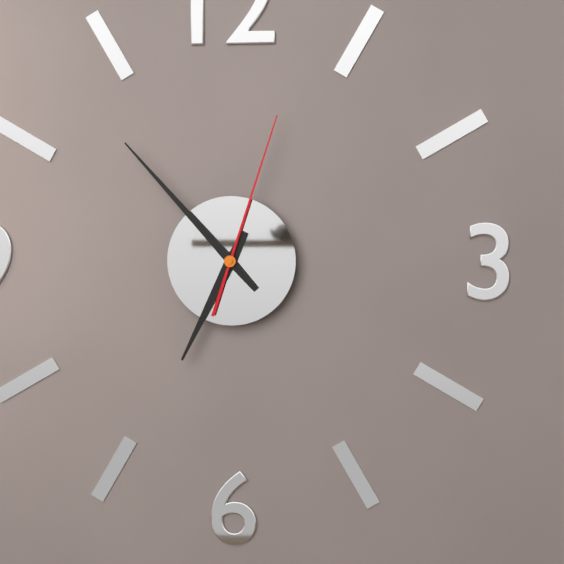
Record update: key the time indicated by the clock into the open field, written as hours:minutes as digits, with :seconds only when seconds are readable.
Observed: 6:53:03
